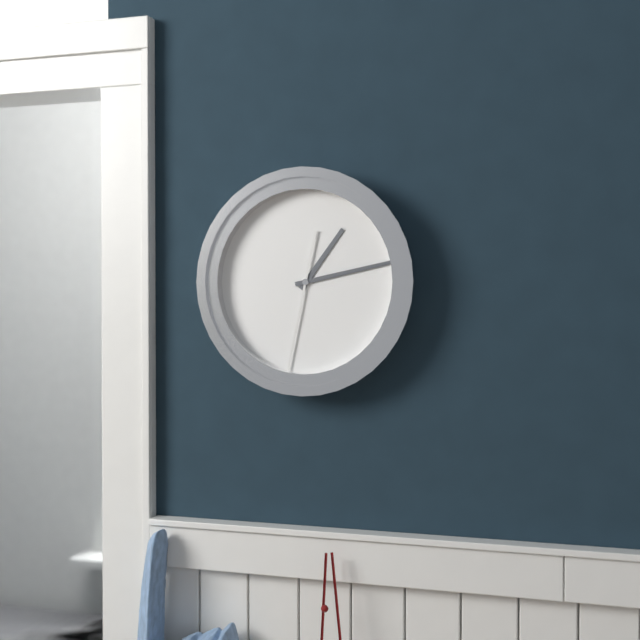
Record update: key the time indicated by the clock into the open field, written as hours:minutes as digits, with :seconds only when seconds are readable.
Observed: 1:13:32
